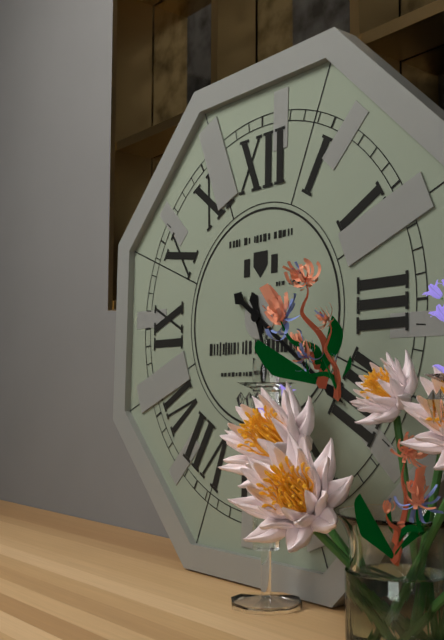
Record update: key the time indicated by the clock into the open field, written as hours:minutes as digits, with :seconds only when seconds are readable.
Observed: 5:21
